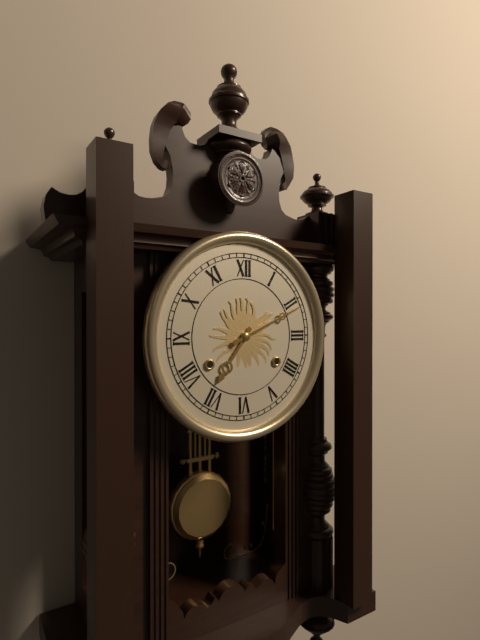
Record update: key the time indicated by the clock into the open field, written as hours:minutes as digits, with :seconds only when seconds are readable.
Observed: 7:11
